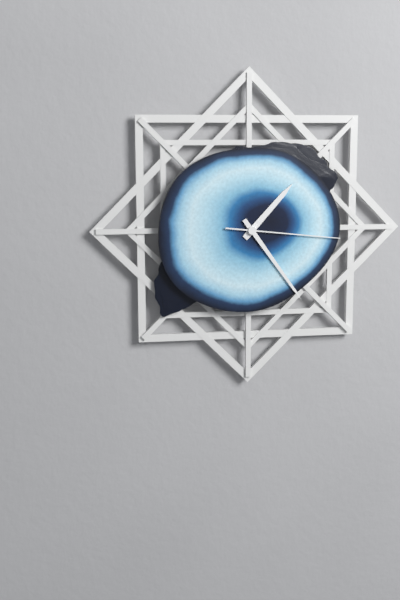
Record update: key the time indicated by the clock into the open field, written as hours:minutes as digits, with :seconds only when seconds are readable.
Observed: 1:24:16
